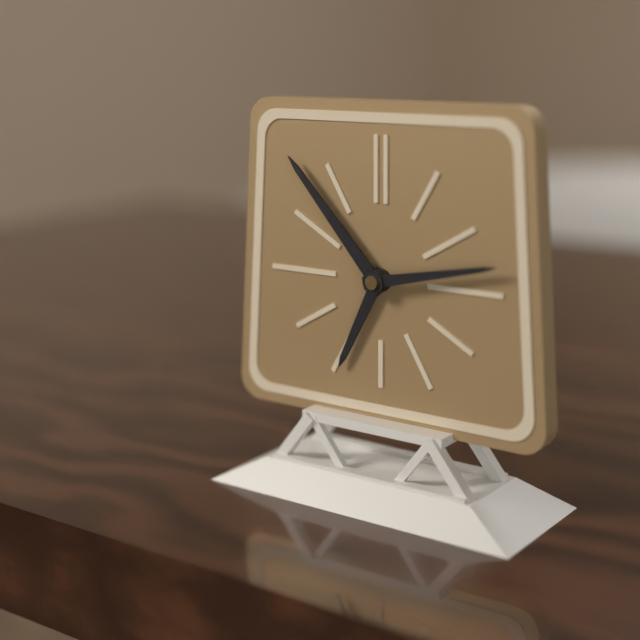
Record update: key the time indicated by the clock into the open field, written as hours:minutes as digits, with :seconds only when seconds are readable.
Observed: 6:53:13
